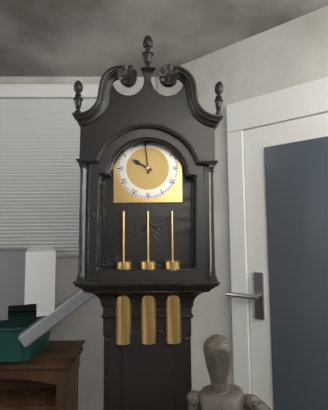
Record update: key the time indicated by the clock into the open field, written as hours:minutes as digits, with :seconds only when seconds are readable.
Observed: 9:59
